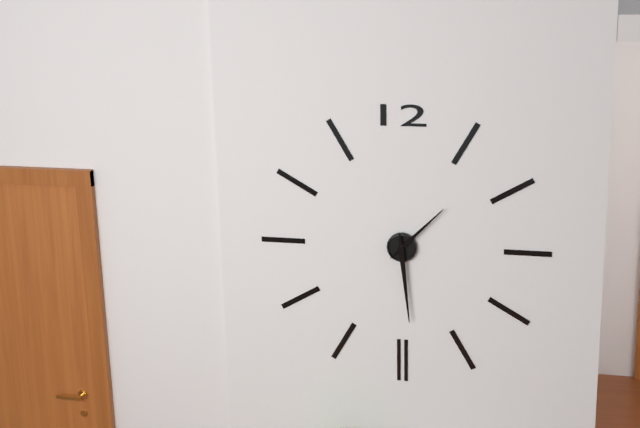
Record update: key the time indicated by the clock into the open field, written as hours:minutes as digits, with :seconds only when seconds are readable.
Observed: 1:29
